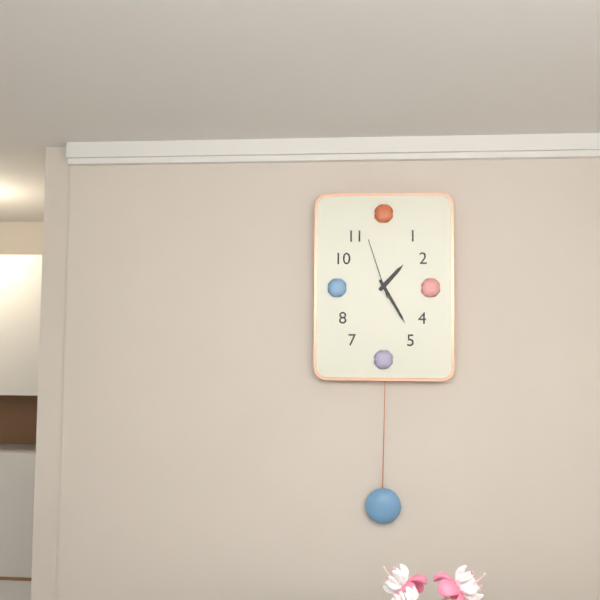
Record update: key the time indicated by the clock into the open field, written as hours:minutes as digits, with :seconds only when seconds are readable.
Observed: 1:25:57
